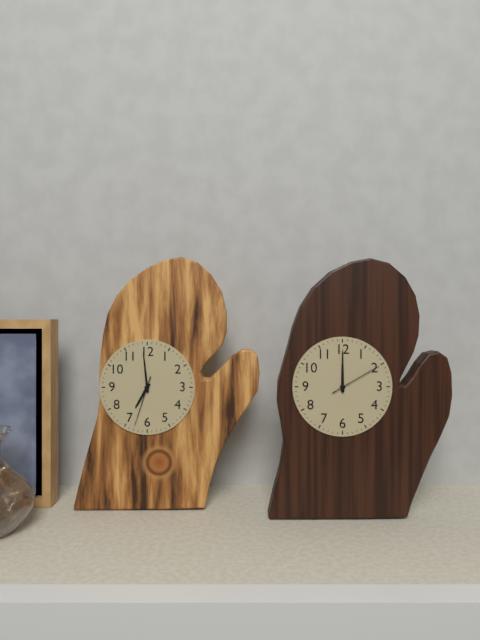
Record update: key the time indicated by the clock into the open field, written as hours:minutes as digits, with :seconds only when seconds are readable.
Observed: 6:59:33
